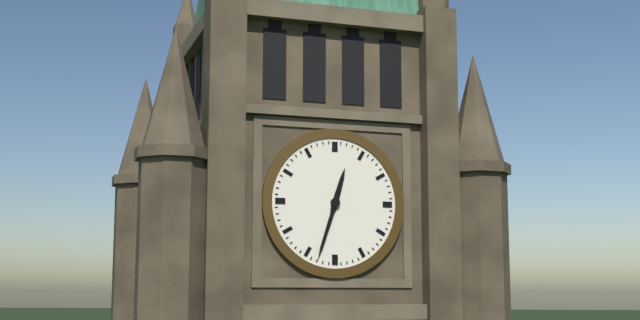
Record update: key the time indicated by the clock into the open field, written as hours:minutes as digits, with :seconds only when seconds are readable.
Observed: 12:33
